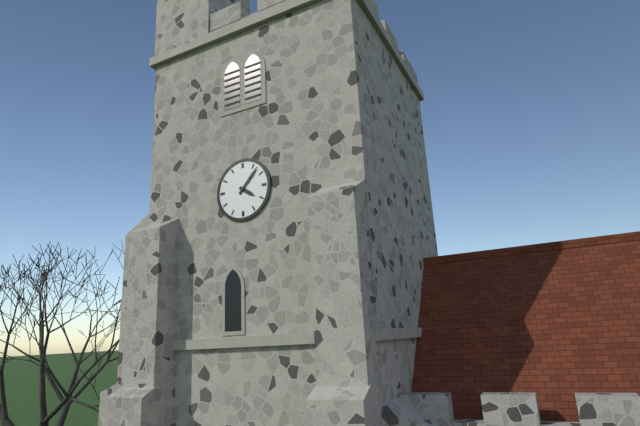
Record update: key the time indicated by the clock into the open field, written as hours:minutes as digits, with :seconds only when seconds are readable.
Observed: 4:07
